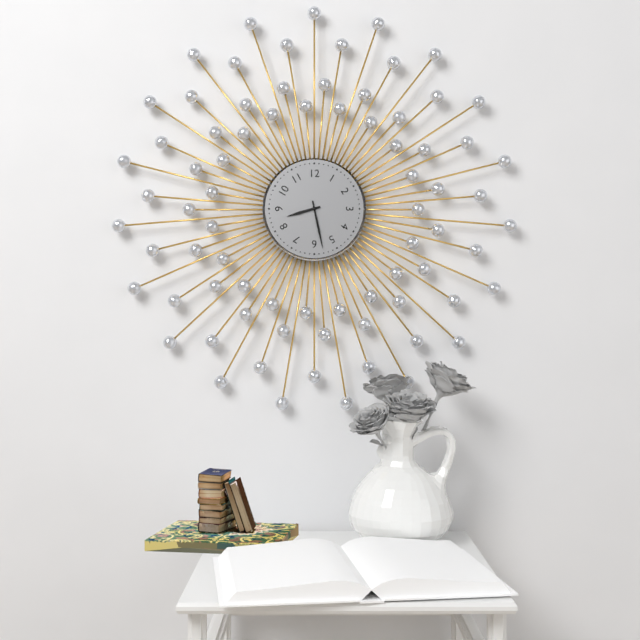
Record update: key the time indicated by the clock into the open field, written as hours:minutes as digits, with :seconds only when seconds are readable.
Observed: 8:28
